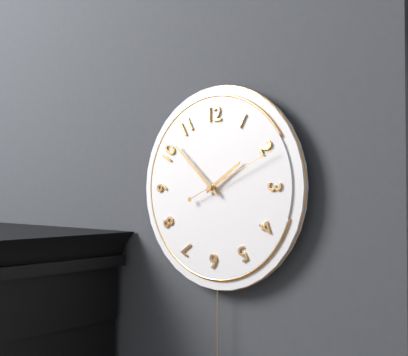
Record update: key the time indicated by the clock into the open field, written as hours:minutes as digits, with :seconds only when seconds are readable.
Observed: 1:52:11
